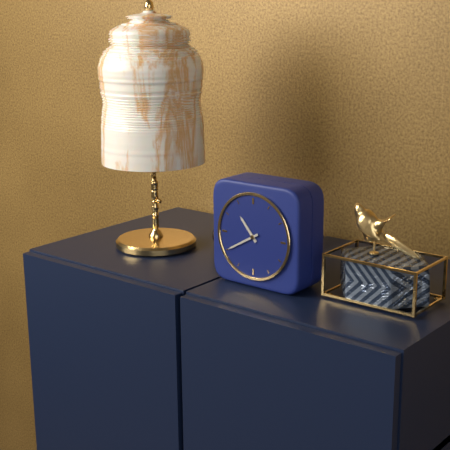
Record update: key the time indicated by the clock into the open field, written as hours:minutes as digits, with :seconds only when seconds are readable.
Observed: 10:40
